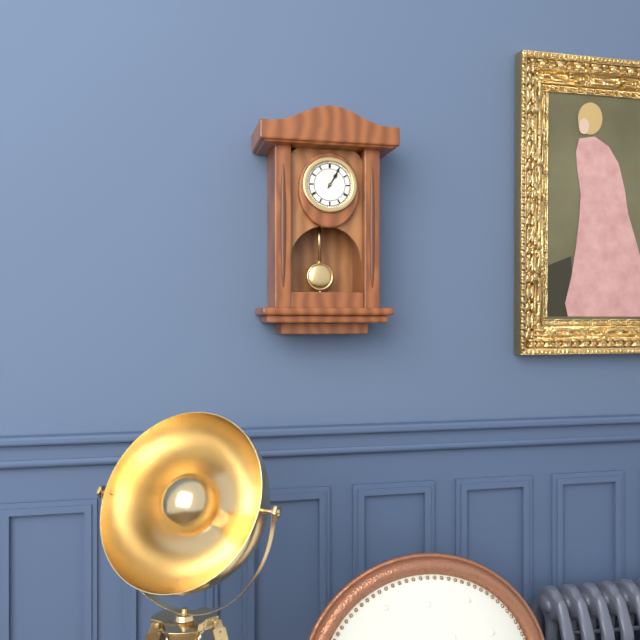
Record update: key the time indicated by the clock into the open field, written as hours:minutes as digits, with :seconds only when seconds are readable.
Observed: 1:05
